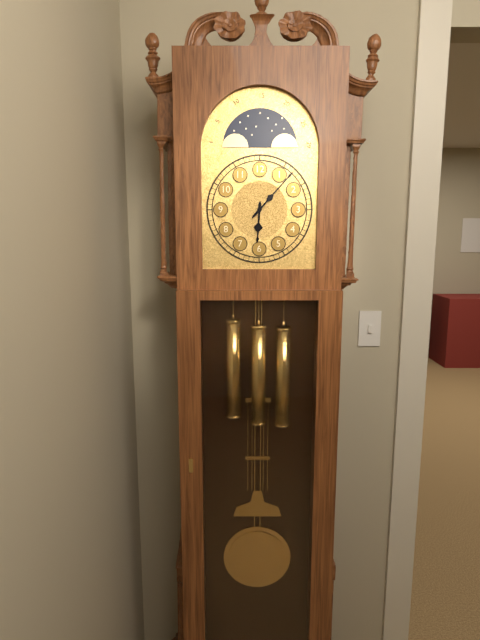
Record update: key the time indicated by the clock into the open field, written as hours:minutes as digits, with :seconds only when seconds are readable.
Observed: 6:07
